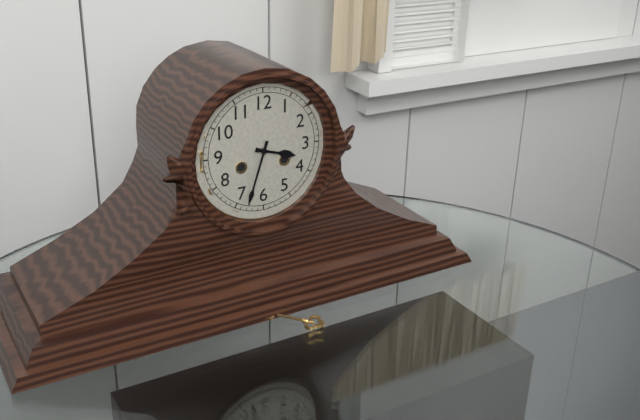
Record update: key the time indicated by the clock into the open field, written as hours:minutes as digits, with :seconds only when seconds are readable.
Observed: 3:33
